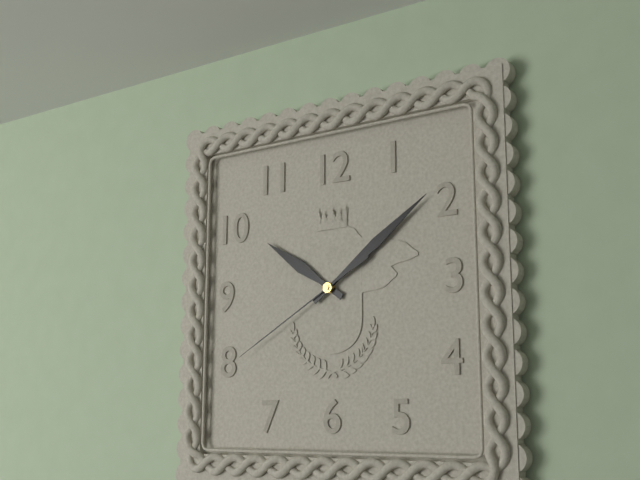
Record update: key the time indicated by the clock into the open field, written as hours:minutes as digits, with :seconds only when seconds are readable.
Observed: 10:09:40
